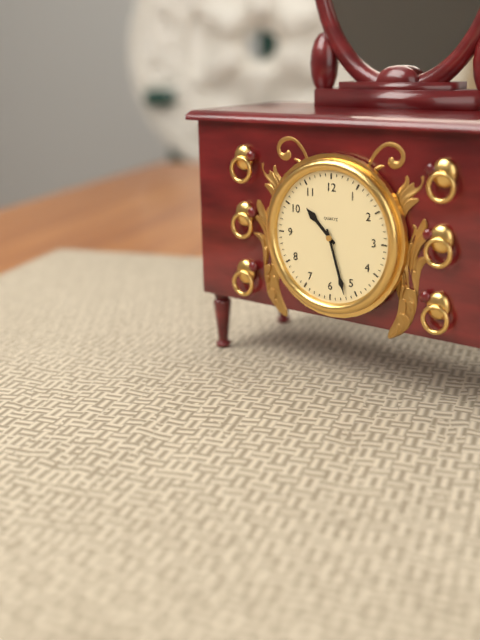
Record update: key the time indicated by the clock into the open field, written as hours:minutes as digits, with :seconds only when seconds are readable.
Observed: 10:27
